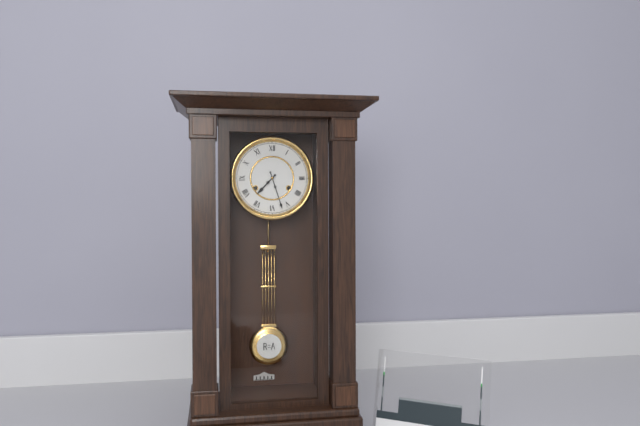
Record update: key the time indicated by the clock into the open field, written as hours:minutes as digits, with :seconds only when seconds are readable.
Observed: 7:27
